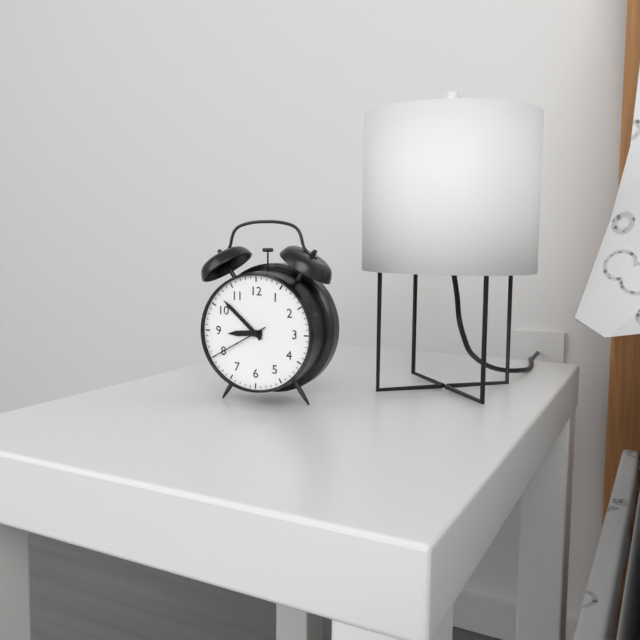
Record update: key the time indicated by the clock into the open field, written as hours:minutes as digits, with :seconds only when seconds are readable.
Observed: 8:52:40
